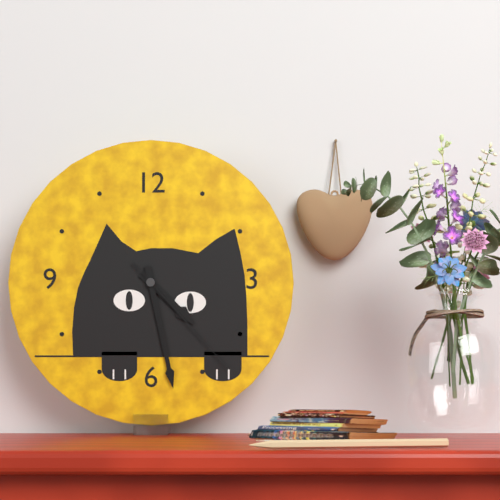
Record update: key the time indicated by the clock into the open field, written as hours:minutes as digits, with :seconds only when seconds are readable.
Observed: 4:28:23
